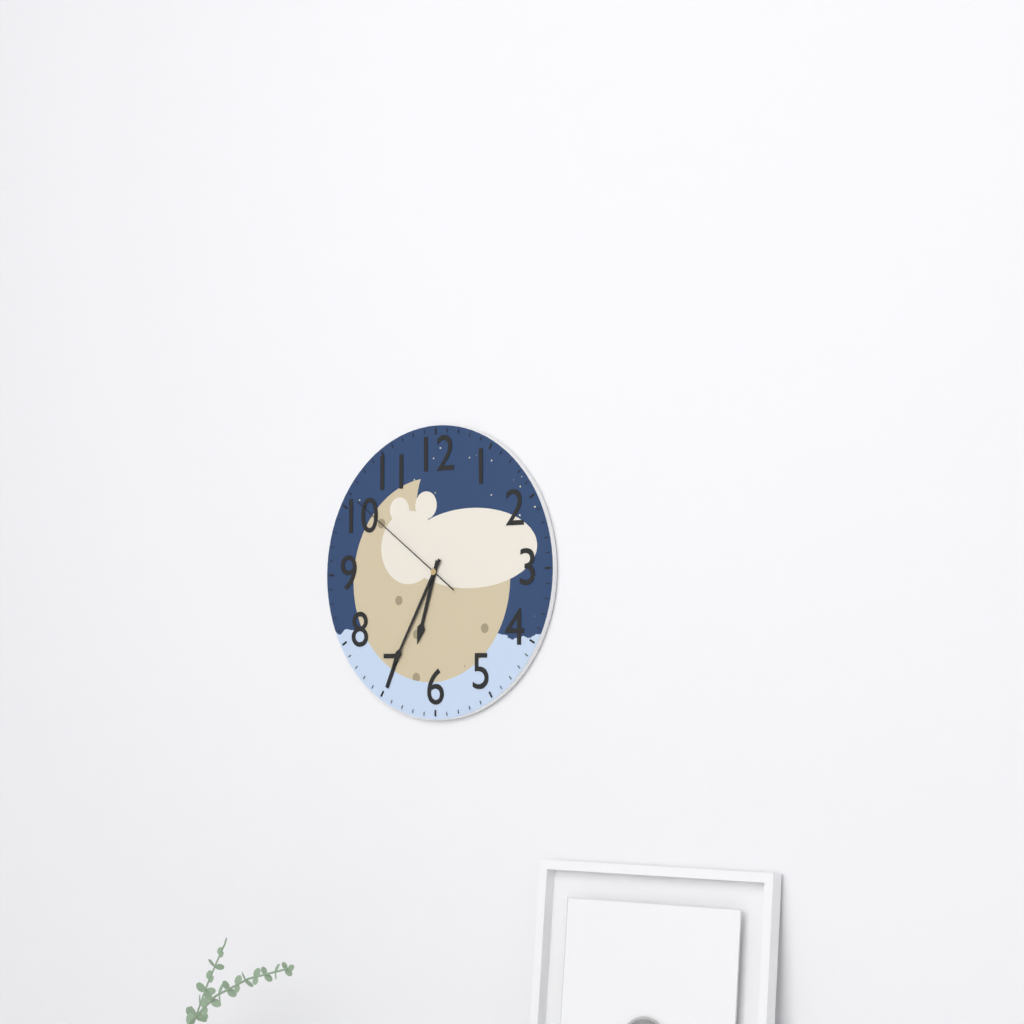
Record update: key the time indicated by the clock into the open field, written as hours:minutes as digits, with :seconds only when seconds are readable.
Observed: 6:35:51
